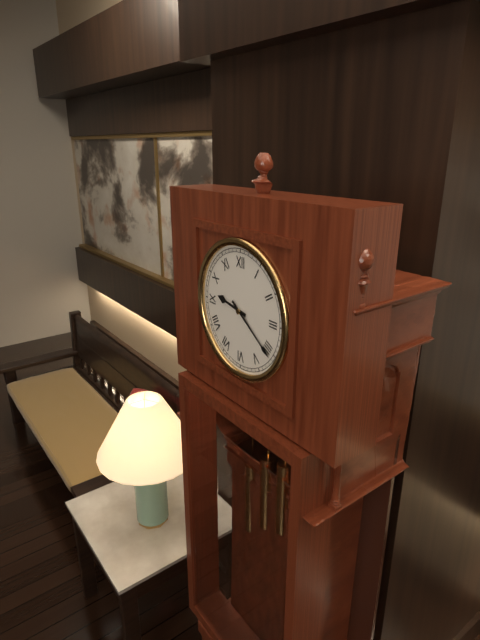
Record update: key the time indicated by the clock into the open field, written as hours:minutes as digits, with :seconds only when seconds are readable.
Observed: 9:21
